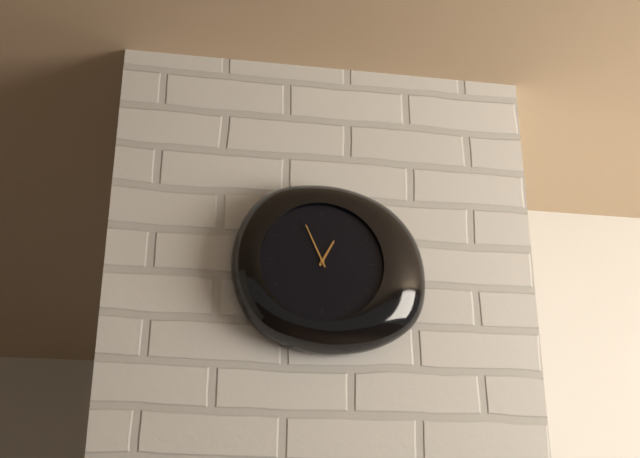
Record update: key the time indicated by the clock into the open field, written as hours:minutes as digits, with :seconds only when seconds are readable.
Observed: 12:56
